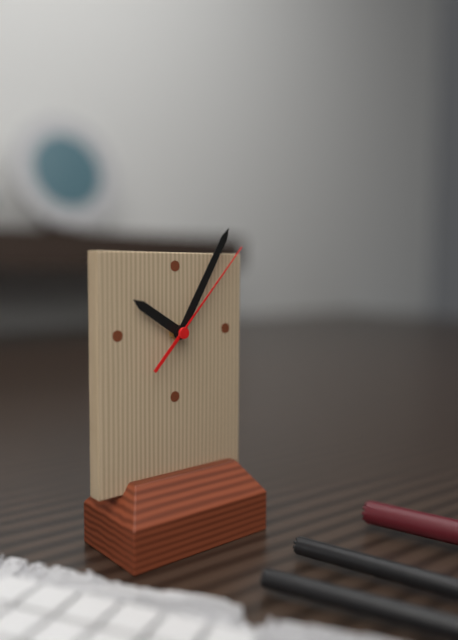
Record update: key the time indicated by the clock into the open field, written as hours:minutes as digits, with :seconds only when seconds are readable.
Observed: 10:05:07
